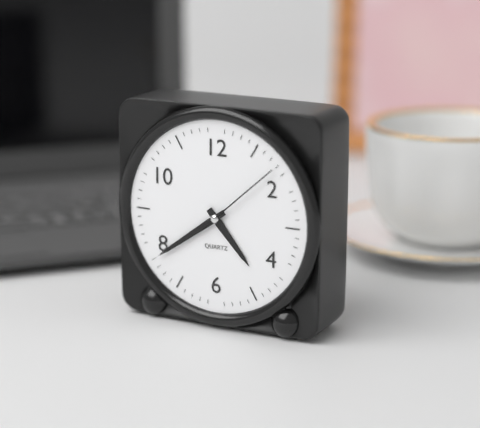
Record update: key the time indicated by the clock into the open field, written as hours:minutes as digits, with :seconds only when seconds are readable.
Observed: 4:39:08
